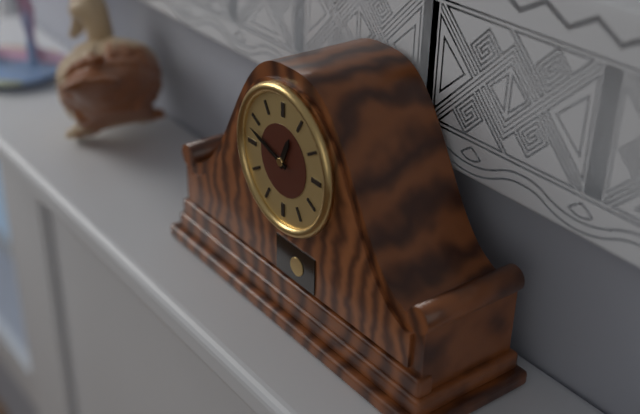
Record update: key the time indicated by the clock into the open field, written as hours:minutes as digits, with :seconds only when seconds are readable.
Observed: 12:48
